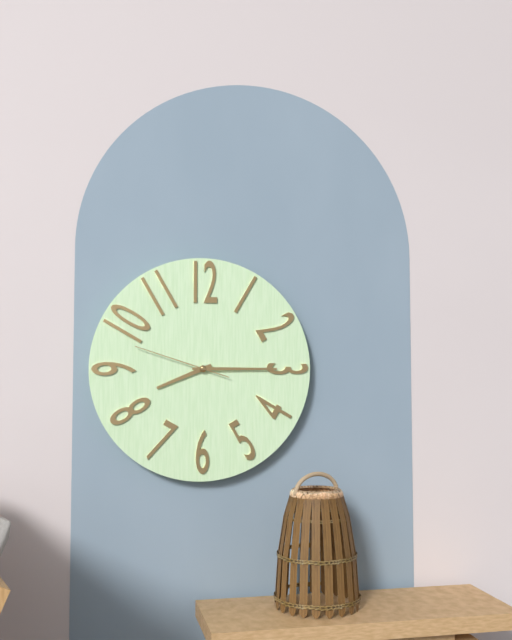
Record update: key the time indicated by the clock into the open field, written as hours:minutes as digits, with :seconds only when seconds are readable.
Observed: 8:15:48
